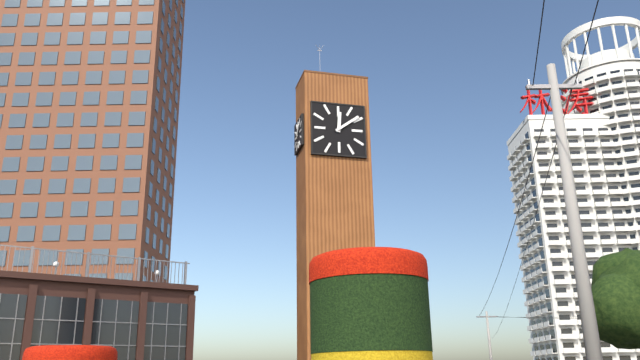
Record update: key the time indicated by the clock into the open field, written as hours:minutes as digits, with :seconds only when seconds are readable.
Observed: 12:09
